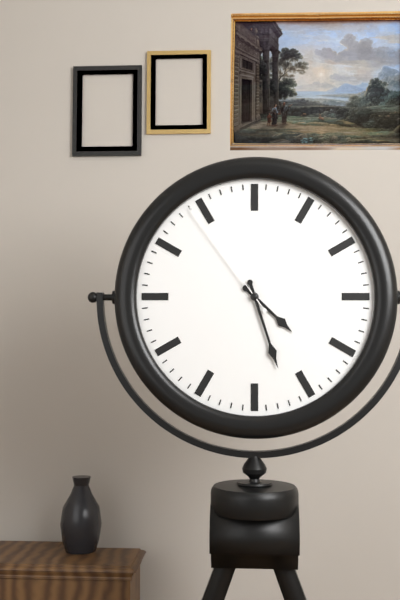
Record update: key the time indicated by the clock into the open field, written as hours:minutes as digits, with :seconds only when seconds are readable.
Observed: 4:27:54
